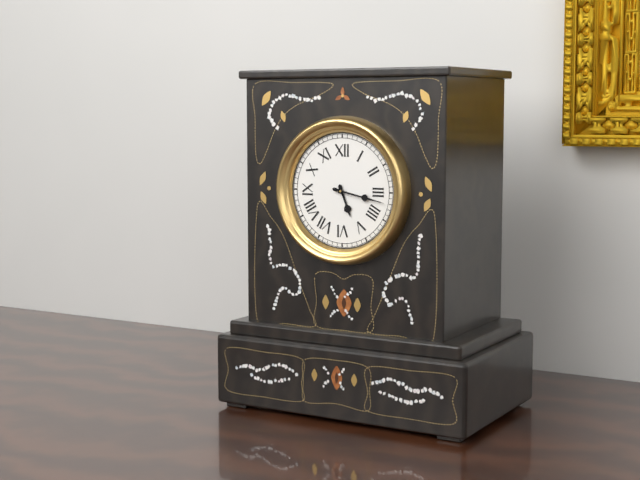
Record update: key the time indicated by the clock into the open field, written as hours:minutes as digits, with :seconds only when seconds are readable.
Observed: 5:17
